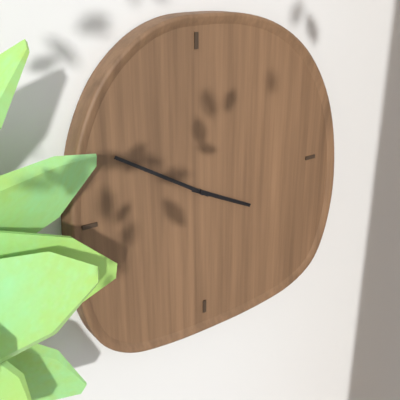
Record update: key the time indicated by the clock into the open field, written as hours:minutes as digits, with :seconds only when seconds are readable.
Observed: 3:50
